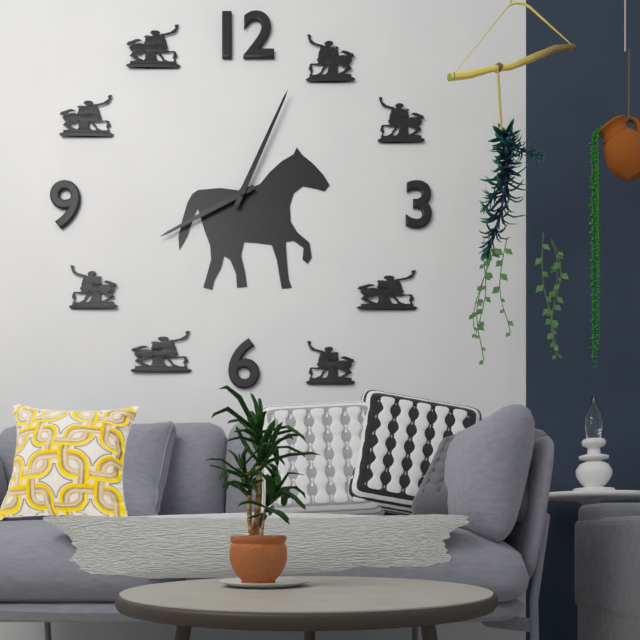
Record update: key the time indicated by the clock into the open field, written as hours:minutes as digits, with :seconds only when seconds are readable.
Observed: 8:04
